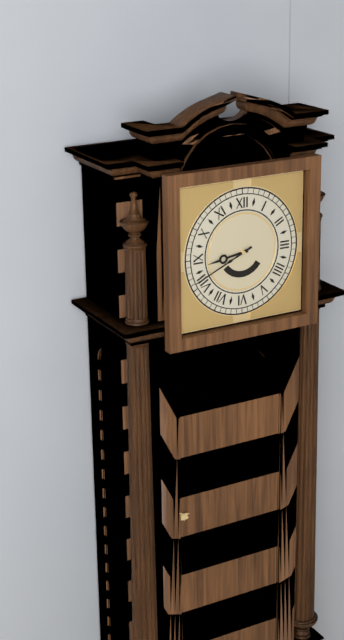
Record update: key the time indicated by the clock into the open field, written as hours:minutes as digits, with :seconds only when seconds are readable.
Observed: 8:41
